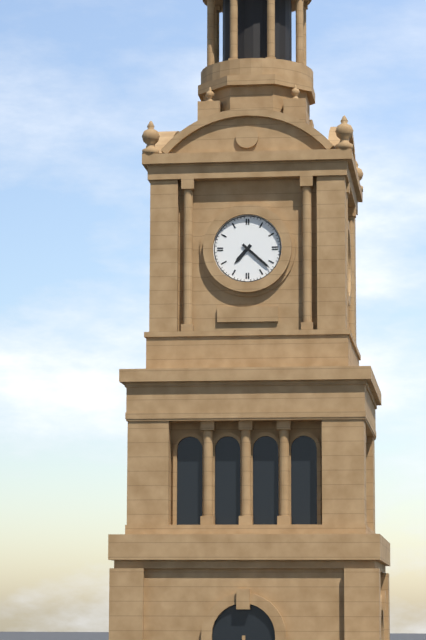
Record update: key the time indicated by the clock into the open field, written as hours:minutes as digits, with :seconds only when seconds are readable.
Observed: 7:22
